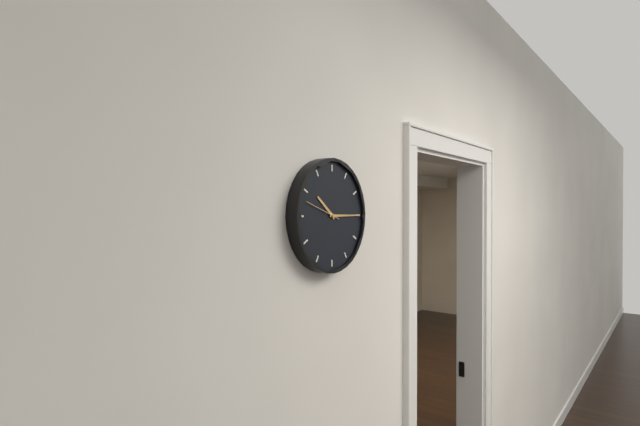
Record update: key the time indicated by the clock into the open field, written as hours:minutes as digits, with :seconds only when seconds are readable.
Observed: 10:15
